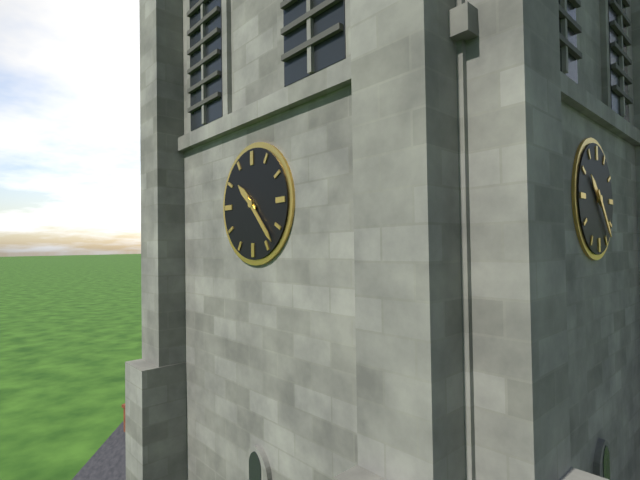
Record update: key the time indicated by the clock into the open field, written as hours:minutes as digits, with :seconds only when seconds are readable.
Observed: 10:23
